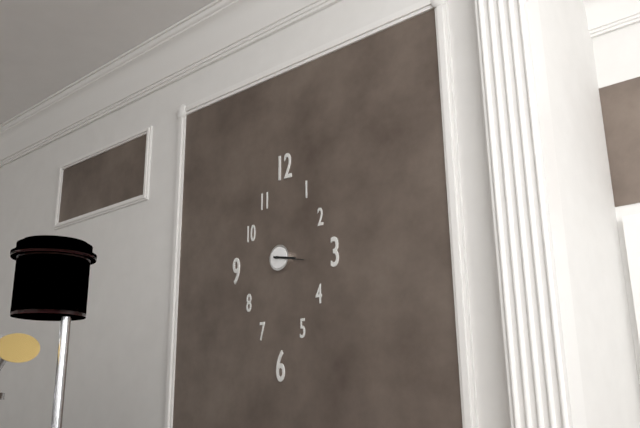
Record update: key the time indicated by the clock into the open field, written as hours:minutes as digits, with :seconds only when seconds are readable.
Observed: 3:17
